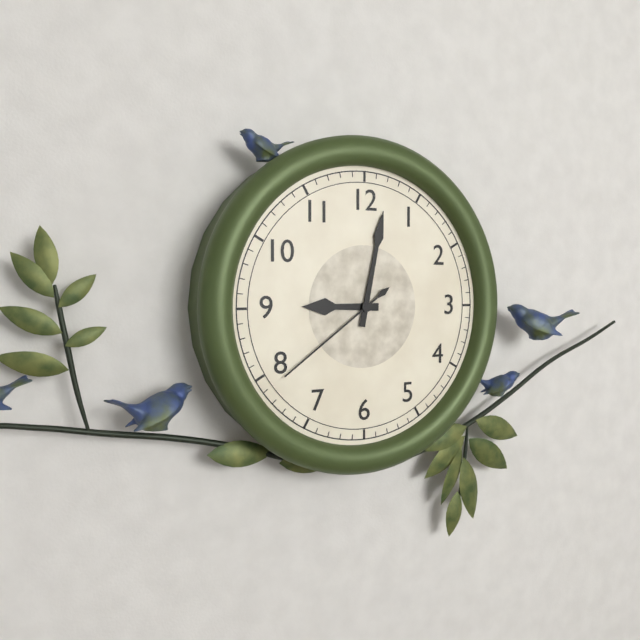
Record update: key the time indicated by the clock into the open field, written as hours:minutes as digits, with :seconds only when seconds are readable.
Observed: 9:02:39
